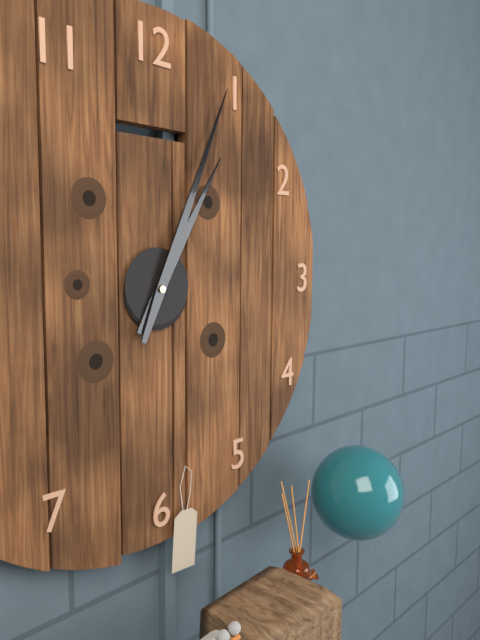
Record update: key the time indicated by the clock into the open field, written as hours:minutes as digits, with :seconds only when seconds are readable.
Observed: 1:04
